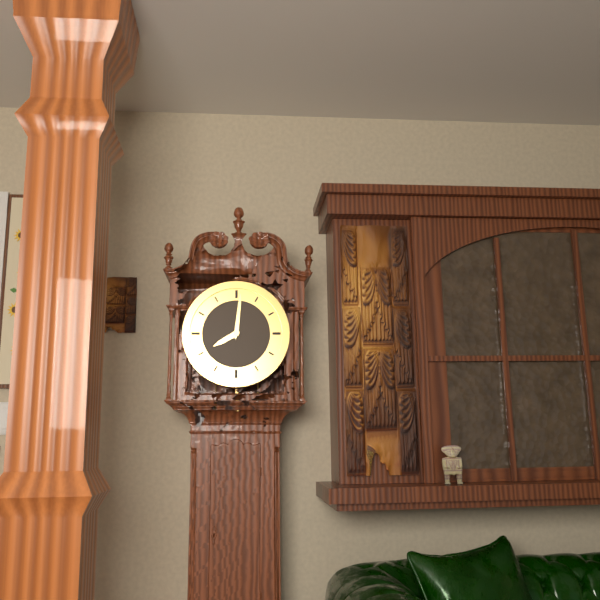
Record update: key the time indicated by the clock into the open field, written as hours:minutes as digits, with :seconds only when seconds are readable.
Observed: 8:01
